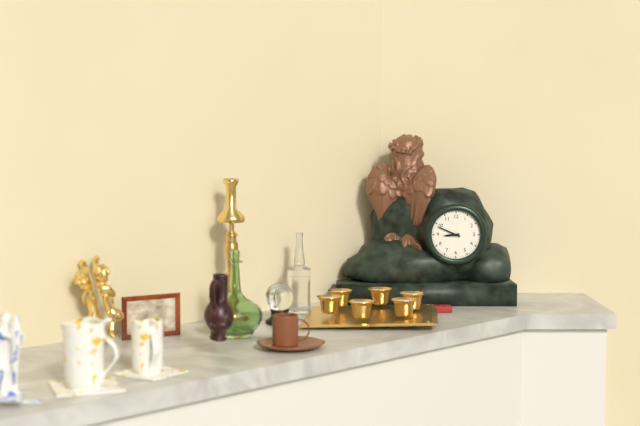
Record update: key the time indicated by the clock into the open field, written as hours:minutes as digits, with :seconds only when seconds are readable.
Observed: 8:49
